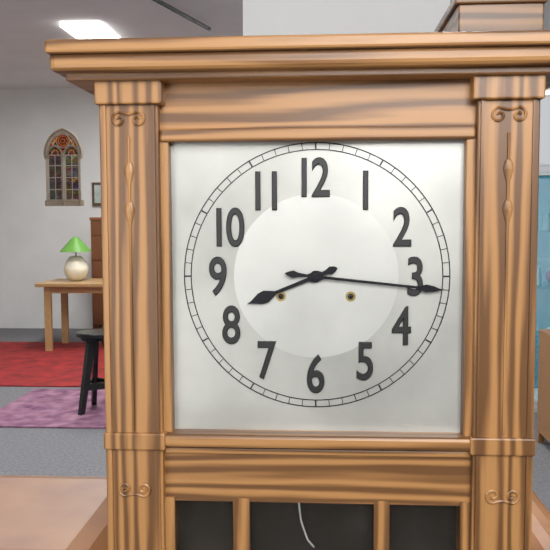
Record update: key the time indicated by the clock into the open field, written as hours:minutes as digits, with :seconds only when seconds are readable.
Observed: 8:16
